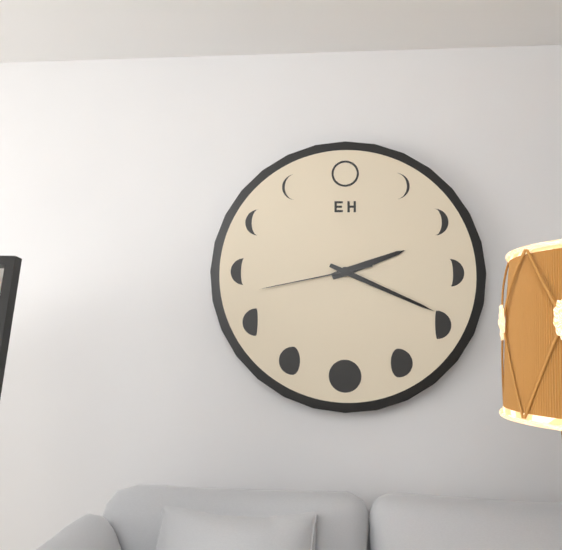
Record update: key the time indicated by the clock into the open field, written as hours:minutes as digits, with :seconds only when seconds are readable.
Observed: 2:19:43
